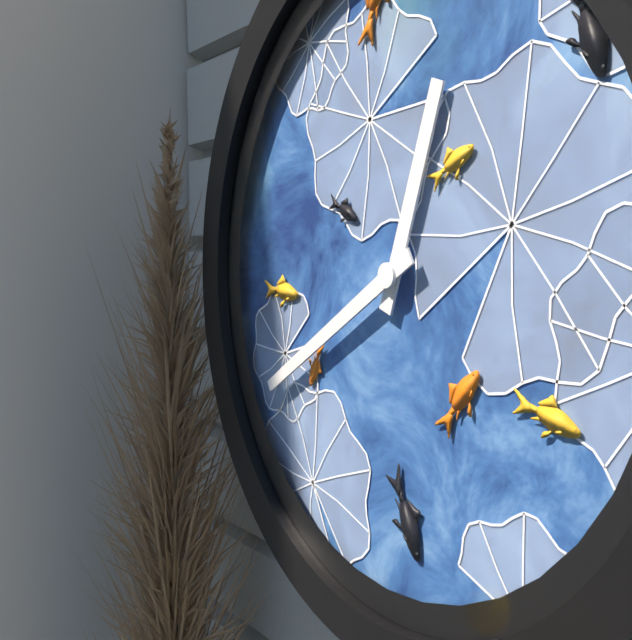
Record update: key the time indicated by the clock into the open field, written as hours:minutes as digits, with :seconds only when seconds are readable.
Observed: 12:40
